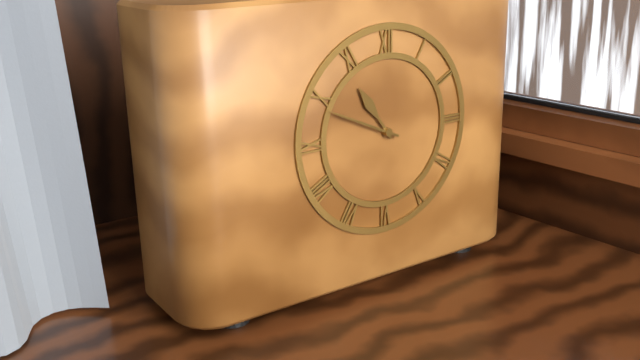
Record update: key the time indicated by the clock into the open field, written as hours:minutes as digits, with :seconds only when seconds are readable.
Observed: 10:49
